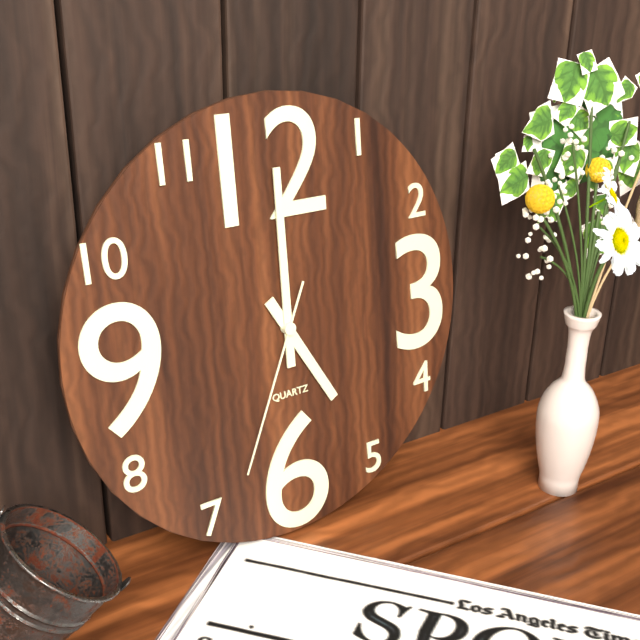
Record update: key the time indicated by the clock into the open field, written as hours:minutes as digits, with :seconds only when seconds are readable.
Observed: 5:00:34
